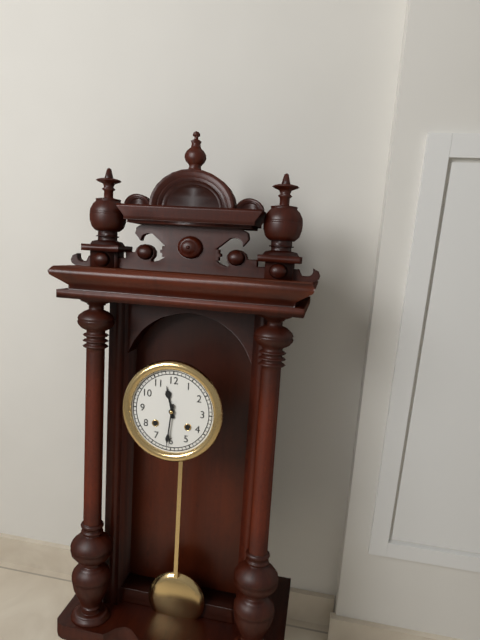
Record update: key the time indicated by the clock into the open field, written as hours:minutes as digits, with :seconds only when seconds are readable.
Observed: 11:31
